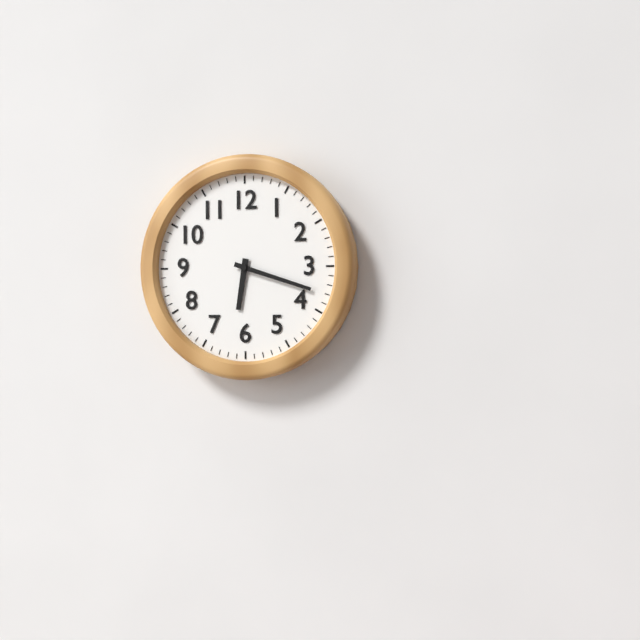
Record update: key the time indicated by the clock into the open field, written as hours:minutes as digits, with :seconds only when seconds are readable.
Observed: 6:18
